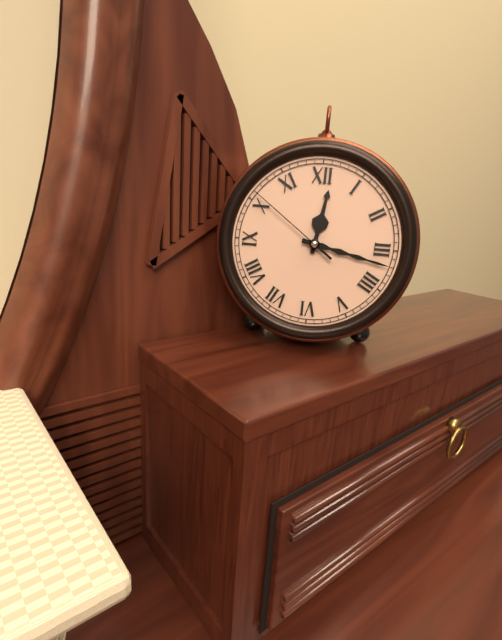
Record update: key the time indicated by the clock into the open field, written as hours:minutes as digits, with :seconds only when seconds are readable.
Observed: 12:17:51
